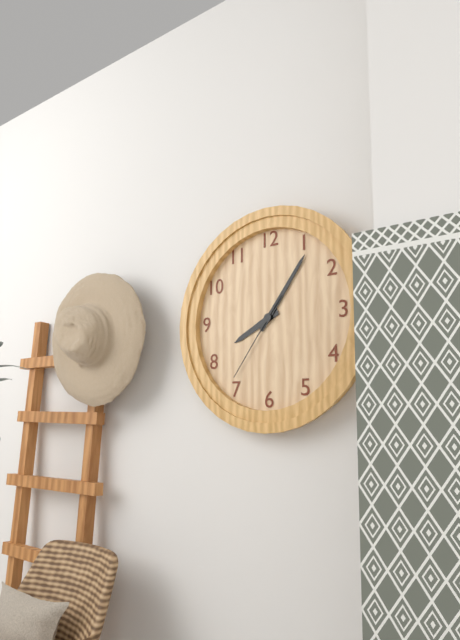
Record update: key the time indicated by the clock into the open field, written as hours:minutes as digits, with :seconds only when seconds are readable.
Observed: 8:06:36
